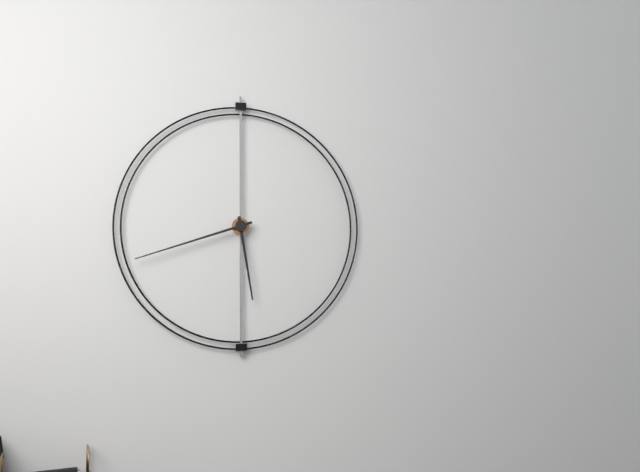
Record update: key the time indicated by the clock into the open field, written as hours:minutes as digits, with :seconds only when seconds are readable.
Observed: 5:42
